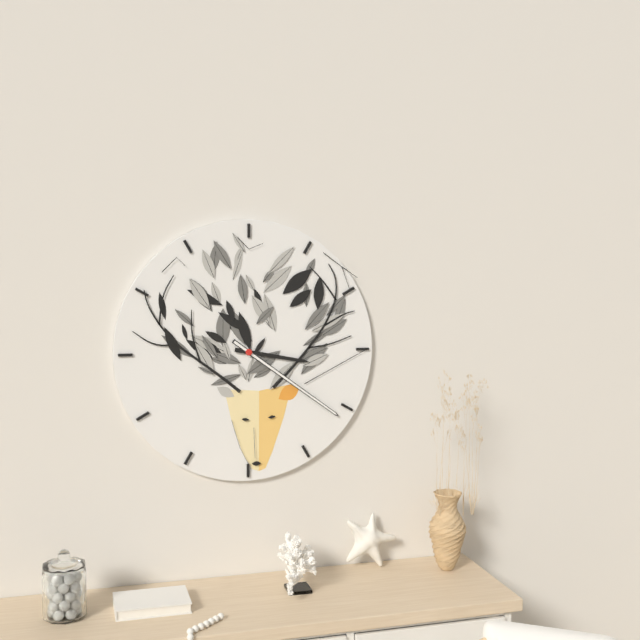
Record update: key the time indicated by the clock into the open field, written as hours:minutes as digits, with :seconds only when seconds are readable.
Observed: 3:21
